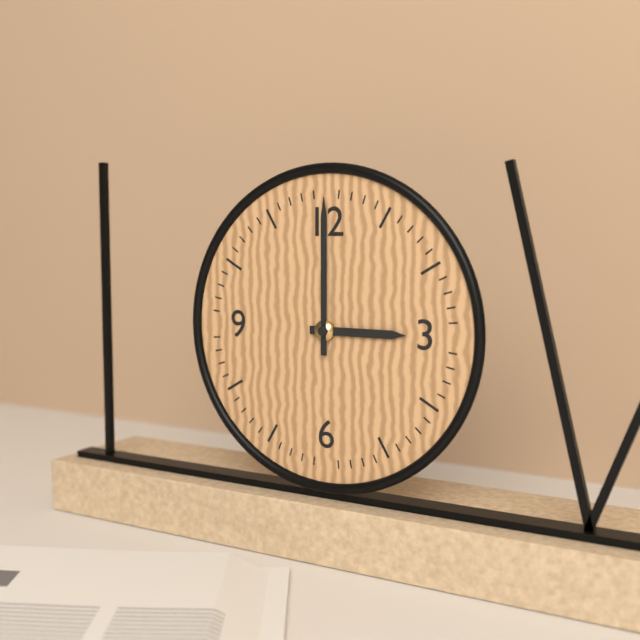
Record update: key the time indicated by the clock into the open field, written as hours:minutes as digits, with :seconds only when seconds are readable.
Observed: 3:00
